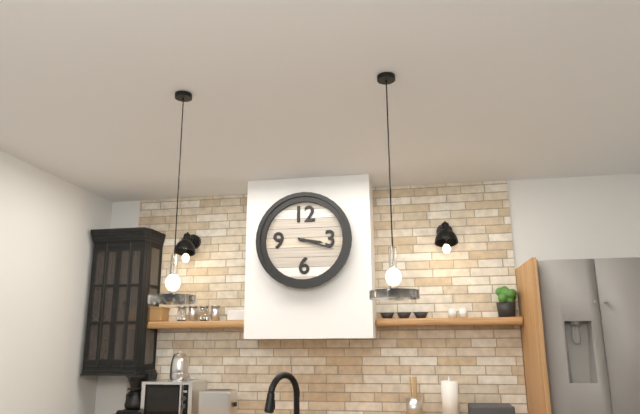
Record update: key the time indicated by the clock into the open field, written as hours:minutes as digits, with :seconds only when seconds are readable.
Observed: 3:18
